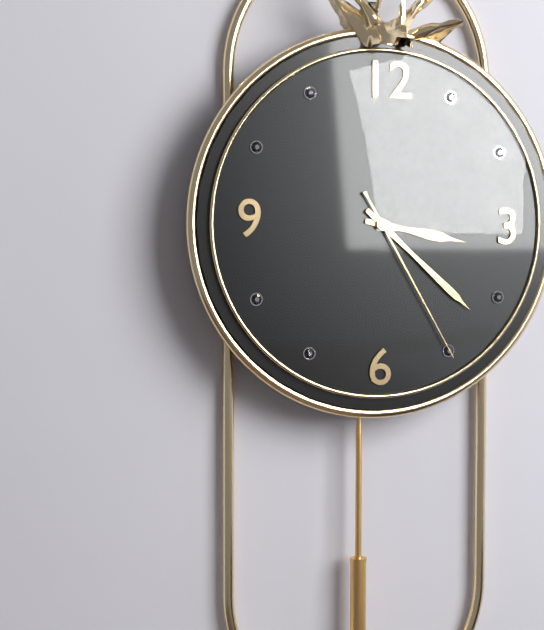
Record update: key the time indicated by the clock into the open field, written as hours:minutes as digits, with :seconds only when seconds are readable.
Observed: 3:22:25
